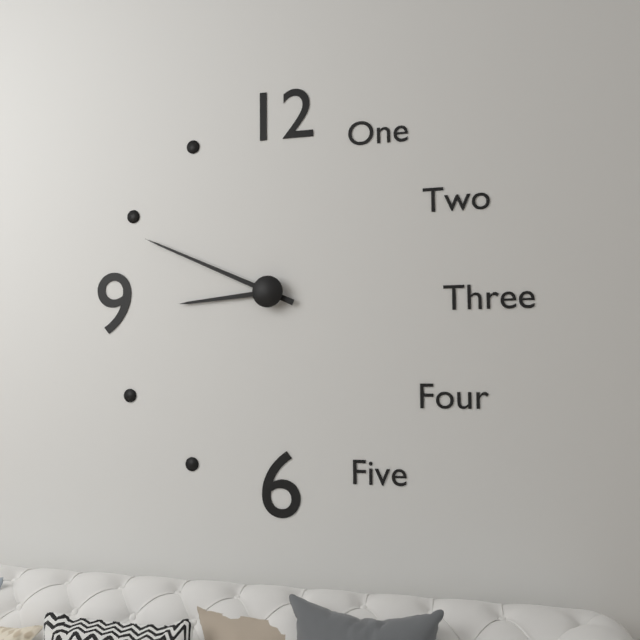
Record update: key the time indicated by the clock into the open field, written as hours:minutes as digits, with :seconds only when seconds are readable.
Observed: 8:49
